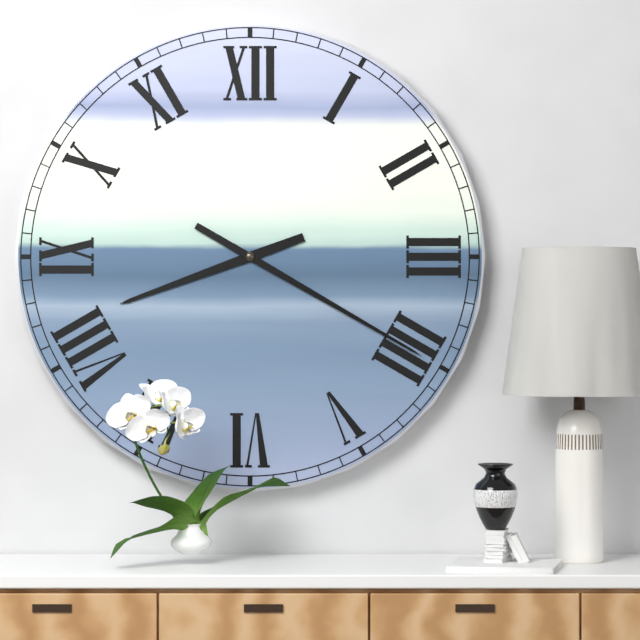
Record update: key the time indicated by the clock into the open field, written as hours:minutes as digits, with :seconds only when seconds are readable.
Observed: 8:20
